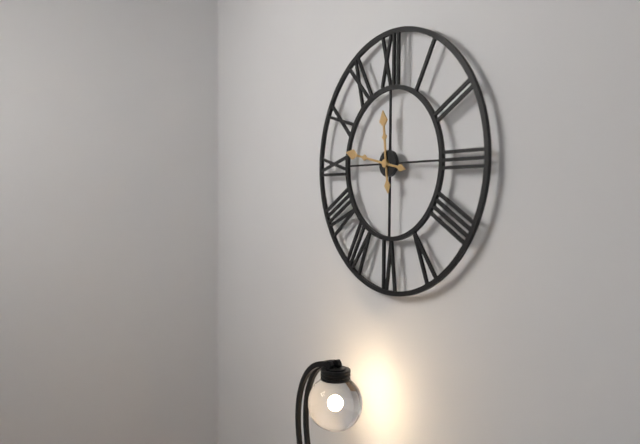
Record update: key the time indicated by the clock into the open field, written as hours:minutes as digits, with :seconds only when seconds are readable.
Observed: 11:47
